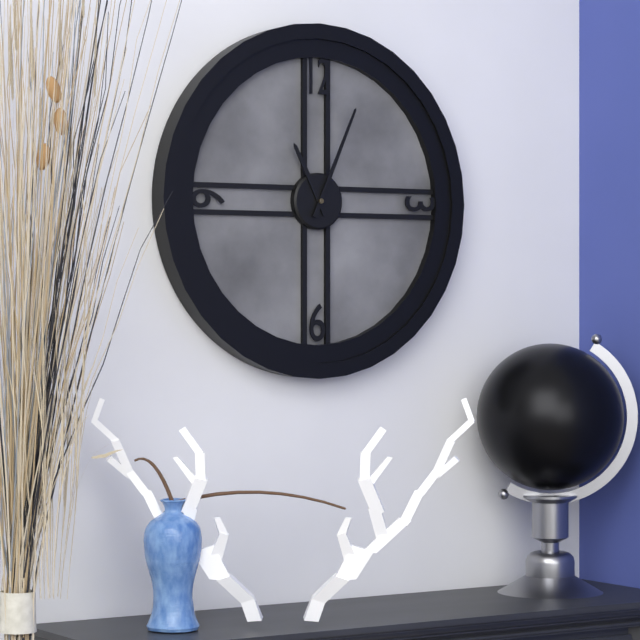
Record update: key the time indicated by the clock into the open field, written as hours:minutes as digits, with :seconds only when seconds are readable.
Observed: 11:04
